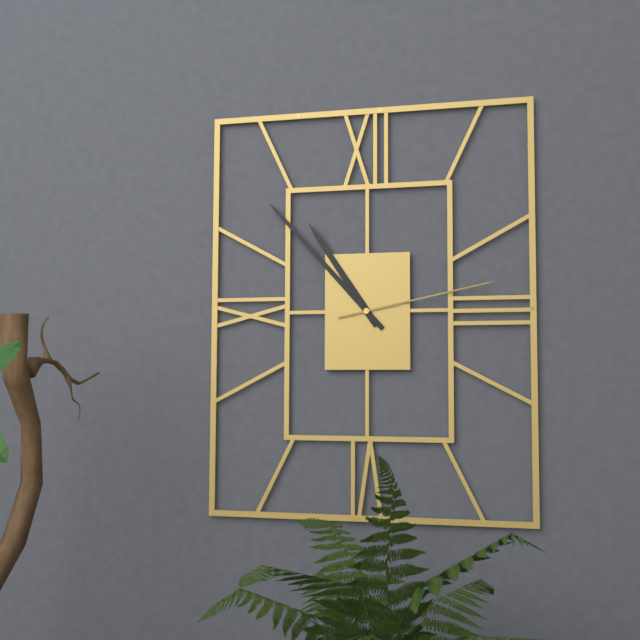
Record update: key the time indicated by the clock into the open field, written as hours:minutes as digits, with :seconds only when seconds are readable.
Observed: 10:53:13
